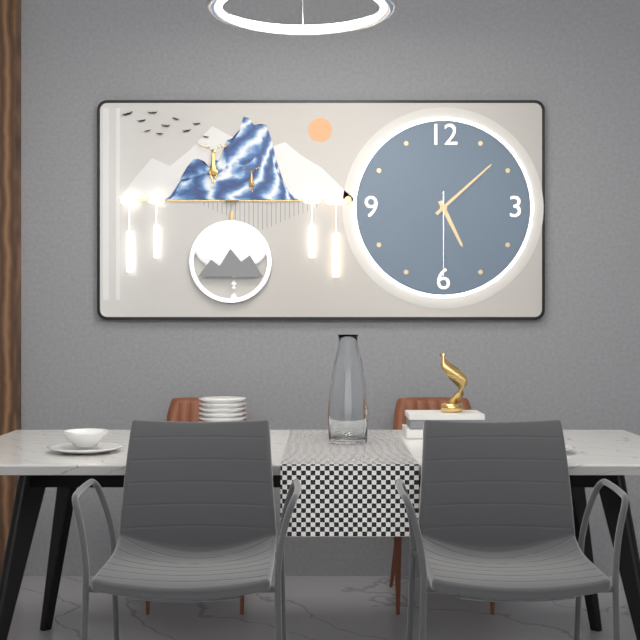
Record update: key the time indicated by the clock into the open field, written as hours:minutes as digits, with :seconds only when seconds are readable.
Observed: 5:08:30
